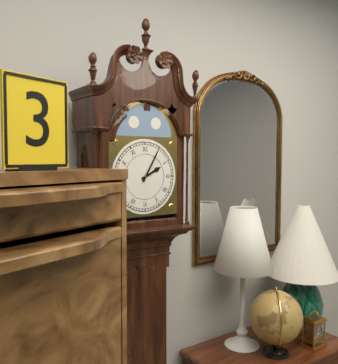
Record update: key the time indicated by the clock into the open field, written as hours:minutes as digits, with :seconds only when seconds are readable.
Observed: 2:05
